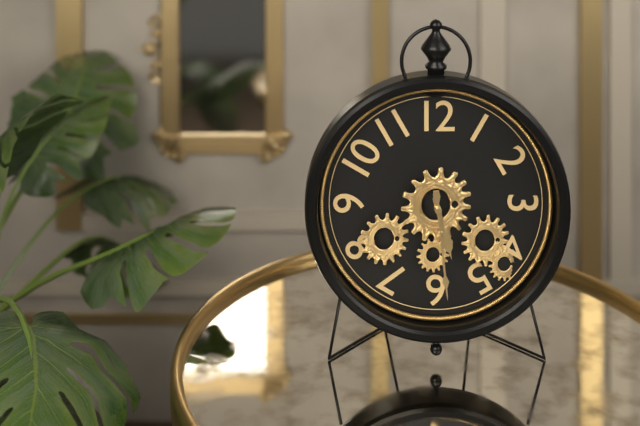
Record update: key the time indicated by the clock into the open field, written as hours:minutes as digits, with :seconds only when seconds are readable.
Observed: 5:29
